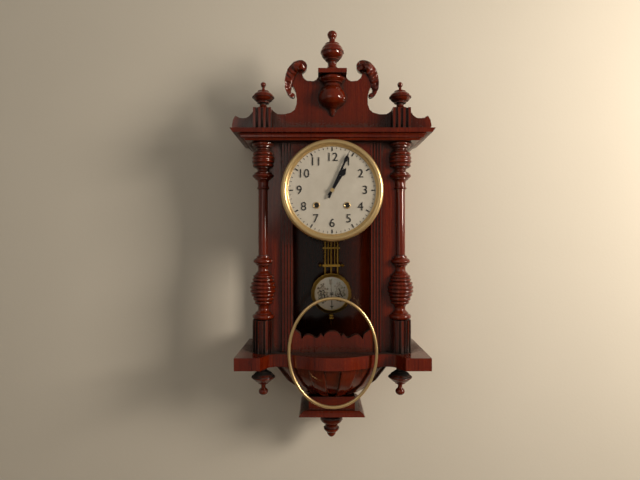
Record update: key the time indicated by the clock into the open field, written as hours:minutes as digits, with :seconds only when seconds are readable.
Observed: 1:04
